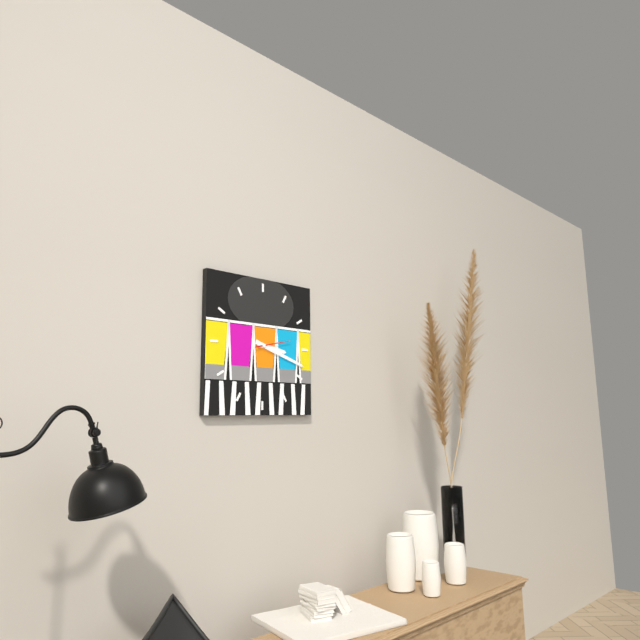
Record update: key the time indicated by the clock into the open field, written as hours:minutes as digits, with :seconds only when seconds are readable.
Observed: 3:18
